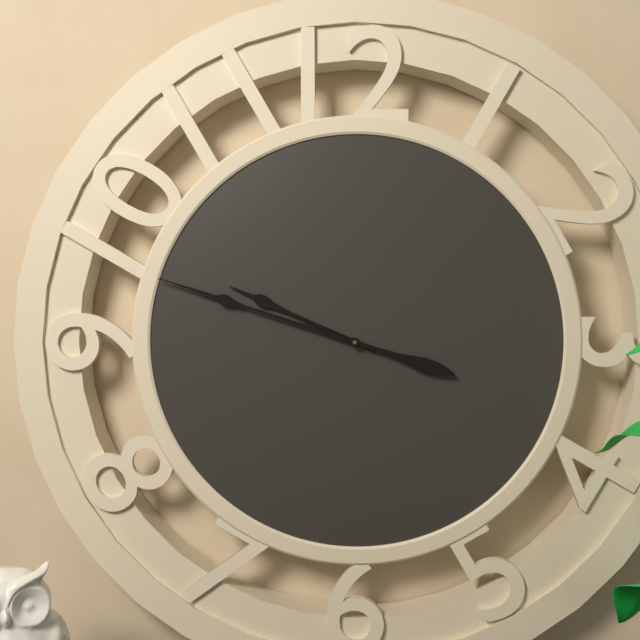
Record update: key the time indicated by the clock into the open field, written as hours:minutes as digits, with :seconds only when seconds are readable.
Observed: 9:48
